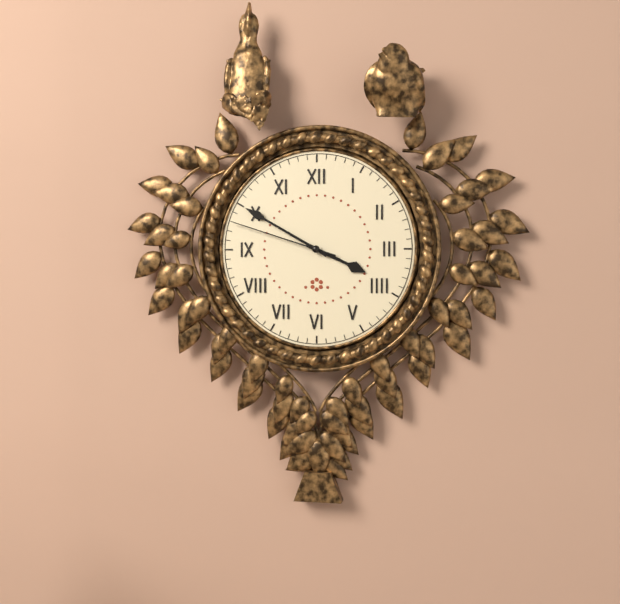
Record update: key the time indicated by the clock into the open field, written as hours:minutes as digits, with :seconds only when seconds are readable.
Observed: 3:50:48
